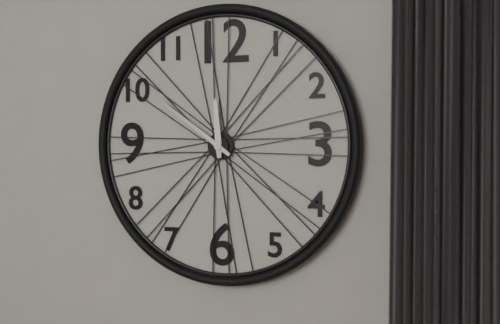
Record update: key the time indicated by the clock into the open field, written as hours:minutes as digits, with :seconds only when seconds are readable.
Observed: 11:51
